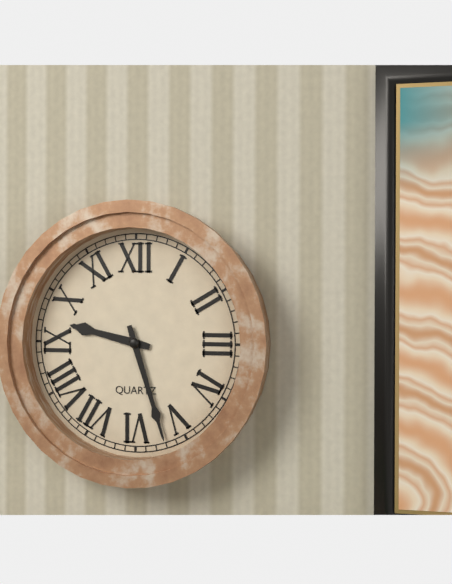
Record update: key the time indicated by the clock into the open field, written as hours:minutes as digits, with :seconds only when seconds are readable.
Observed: 9:27
